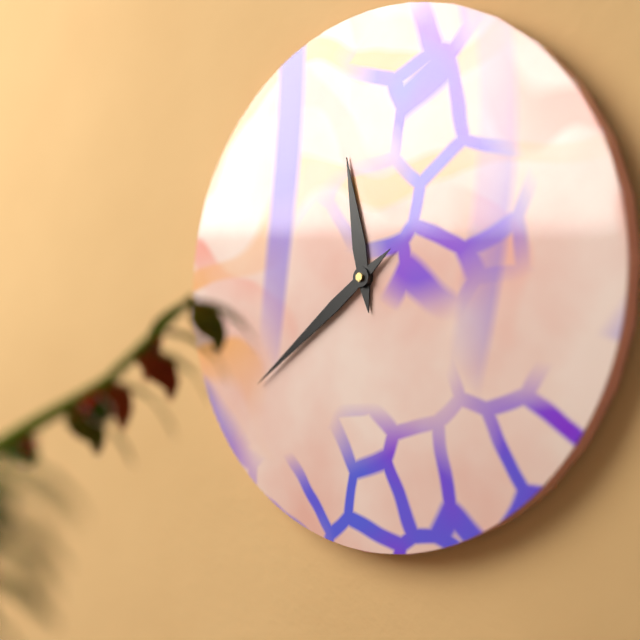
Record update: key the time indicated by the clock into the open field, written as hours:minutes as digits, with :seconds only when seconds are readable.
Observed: 11:39
